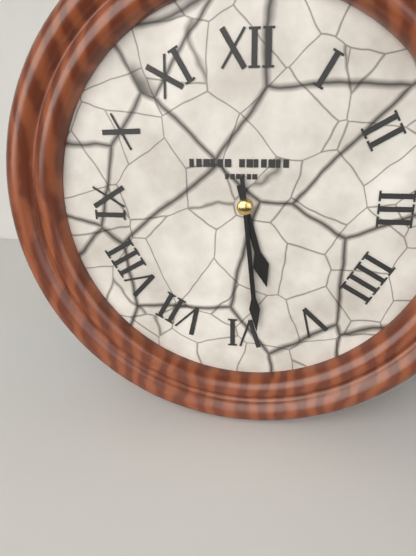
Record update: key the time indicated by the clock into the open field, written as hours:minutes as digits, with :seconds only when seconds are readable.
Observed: 5:29
